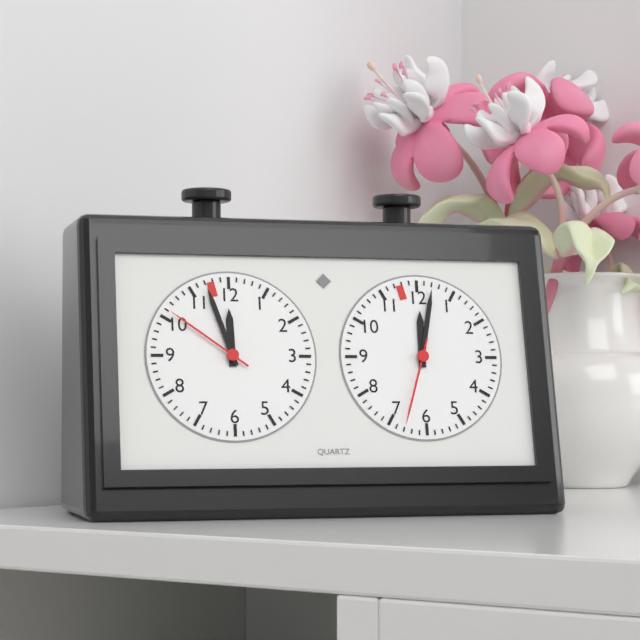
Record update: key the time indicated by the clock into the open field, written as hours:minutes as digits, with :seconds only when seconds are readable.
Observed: 11:57:51
